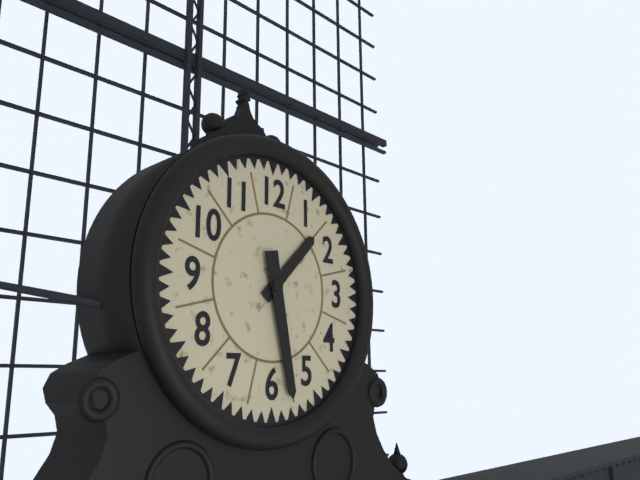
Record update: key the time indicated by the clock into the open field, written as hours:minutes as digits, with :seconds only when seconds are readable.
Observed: 1:28
